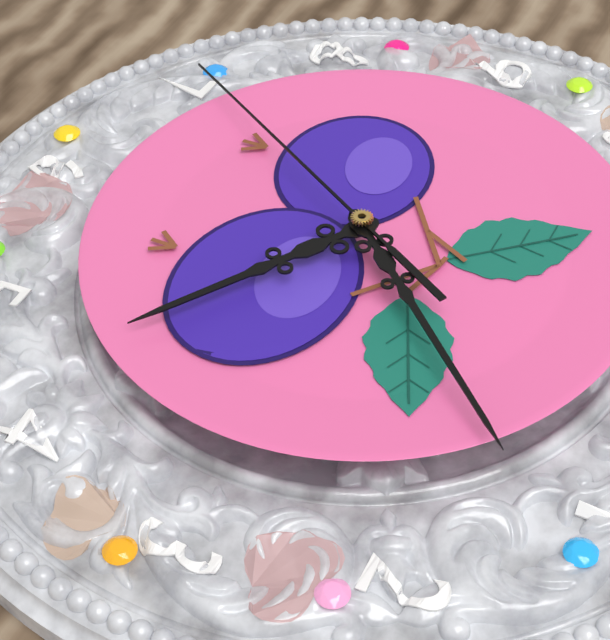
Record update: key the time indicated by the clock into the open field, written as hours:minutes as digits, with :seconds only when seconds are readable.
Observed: 4:07:35
